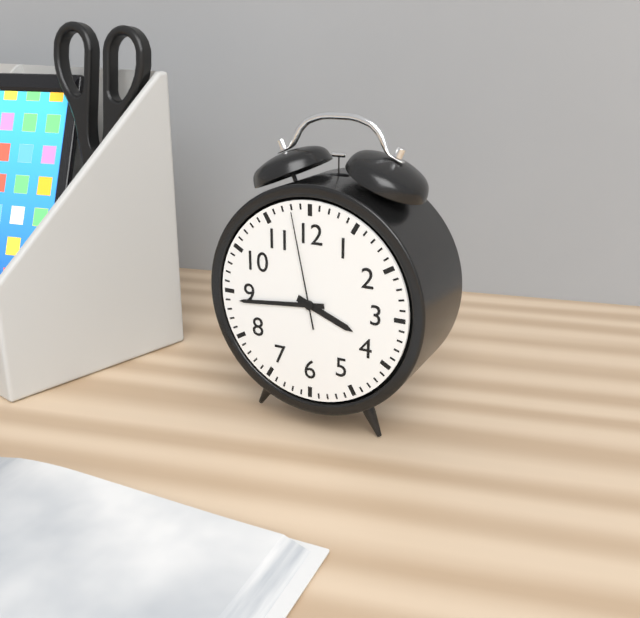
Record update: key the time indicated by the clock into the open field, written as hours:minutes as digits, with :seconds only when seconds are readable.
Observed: 3:44:58
